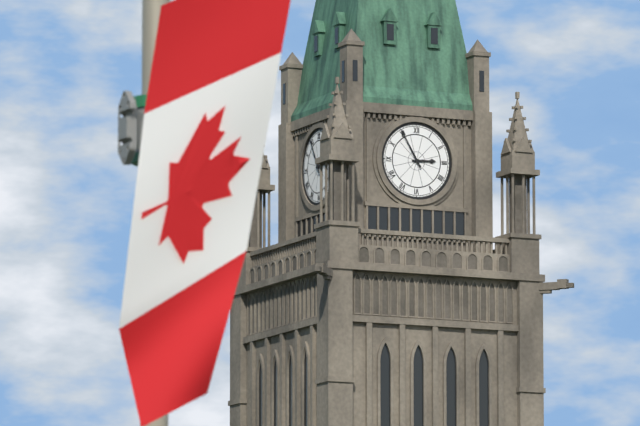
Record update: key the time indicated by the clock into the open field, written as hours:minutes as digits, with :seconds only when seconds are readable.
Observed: 2:55
